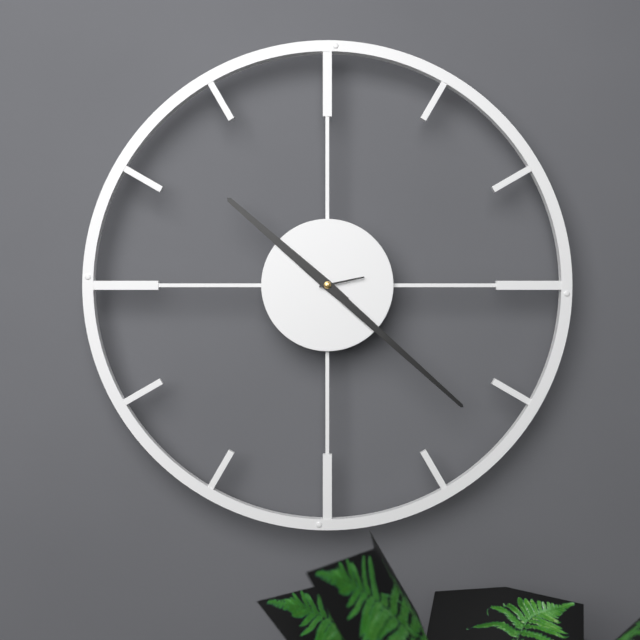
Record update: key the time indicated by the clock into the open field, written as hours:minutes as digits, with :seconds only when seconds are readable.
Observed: 10:22
